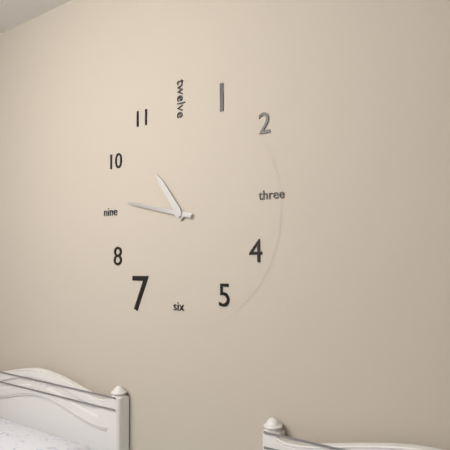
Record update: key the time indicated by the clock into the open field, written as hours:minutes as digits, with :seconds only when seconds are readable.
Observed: 10:47
